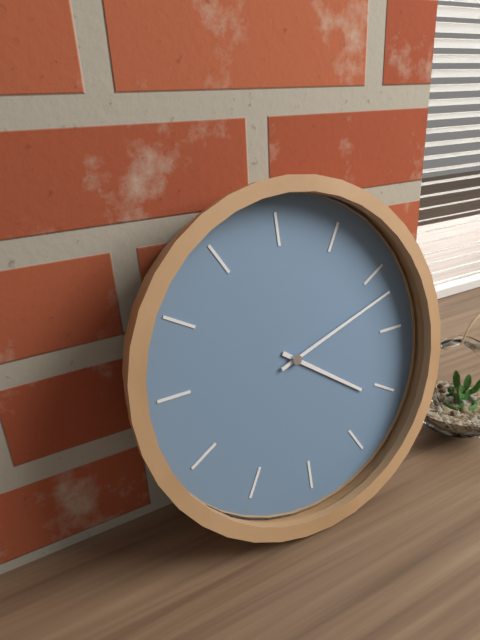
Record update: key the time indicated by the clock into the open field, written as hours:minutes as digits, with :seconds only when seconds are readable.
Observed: 4:12
